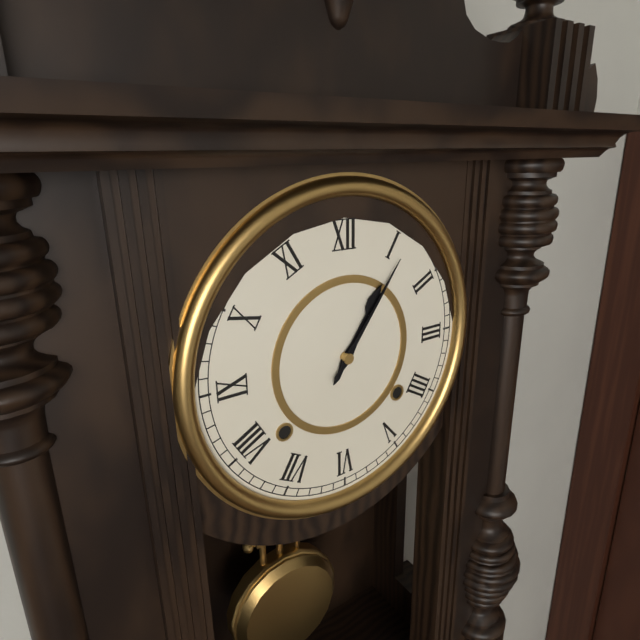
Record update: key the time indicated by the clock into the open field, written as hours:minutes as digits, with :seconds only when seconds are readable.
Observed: 1:06
